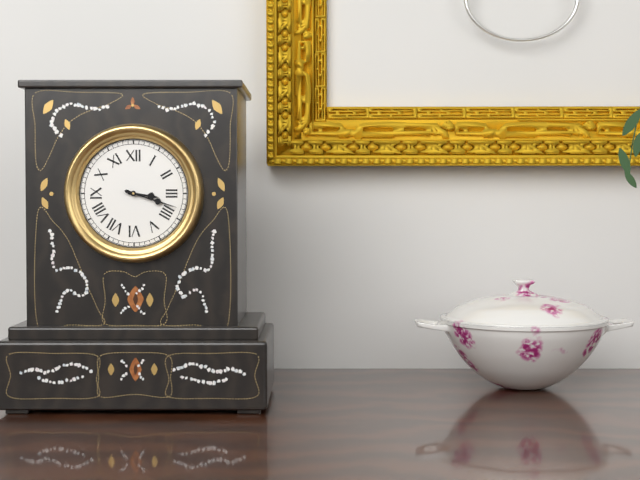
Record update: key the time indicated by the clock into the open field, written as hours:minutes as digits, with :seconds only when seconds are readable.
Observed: 3:18
